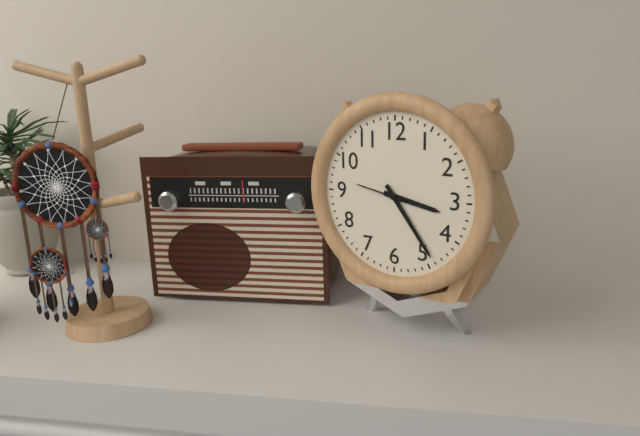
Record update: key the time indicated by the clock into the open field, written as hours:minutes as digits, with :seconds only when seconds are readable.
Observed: 3:24
